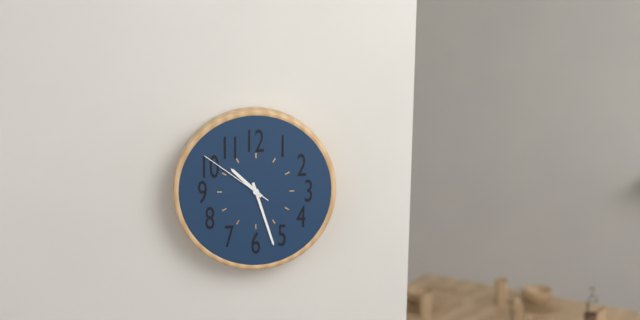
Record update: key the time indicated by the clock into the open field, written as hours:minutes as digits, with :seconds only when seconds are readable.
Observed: 10:27:51
